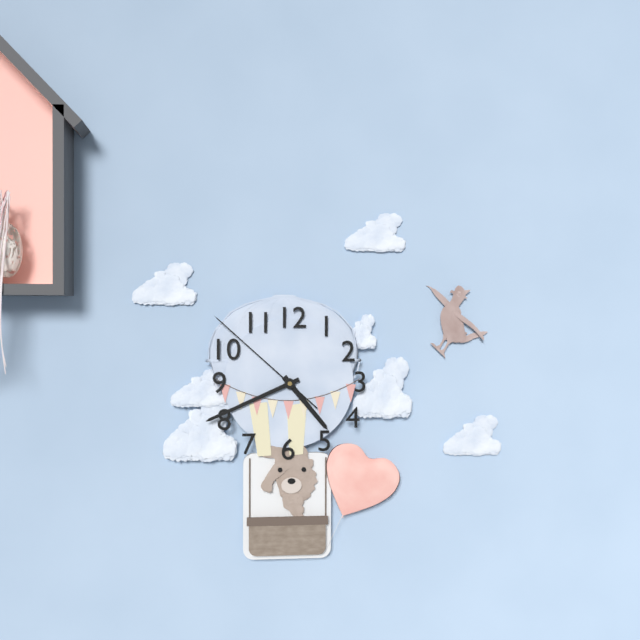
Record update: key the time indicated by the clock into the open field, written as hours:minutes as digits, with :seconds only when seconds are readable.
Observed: 4:41:52
